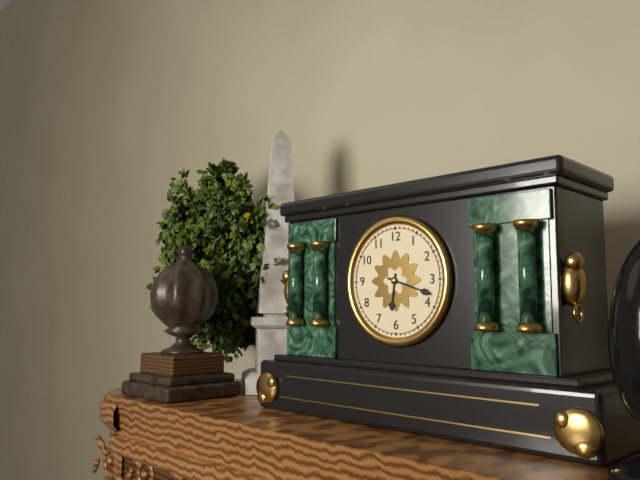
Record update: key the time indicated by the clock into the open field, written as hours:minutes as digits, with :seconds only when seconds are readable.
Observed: 6:18
